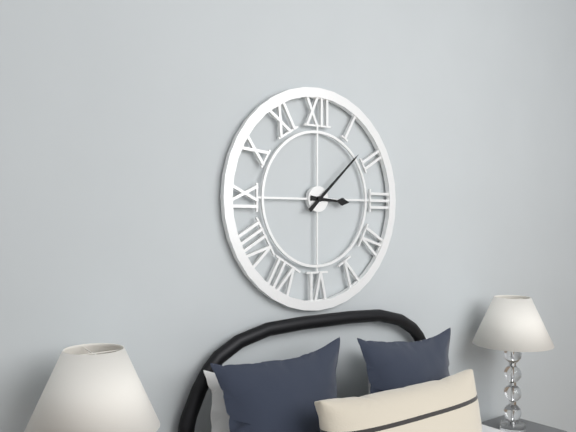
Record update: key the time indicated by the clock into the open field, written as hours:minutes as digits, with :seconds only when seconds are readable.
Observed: 3:08
